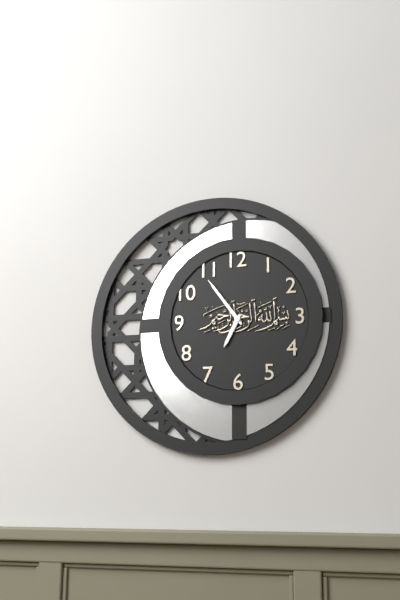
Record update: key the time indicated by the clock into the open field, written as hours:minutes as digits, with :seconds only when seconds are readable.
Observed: 6:54
